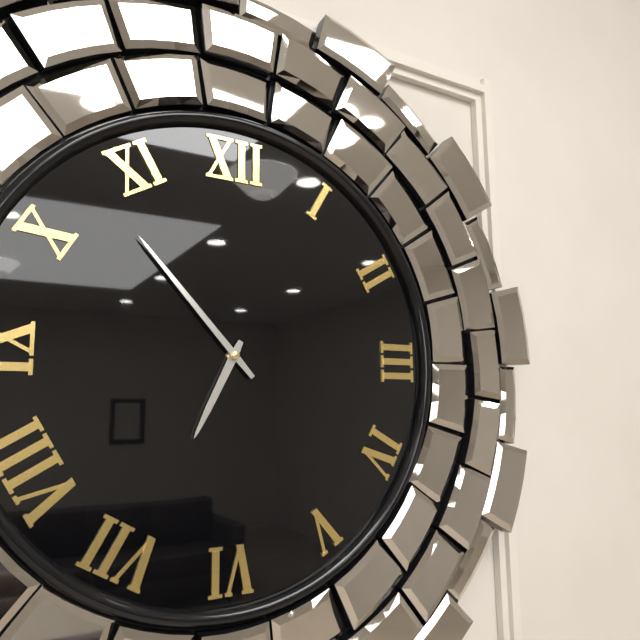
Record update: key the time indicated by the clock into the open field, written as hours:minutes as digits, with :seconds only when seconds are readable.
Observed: 6:53
